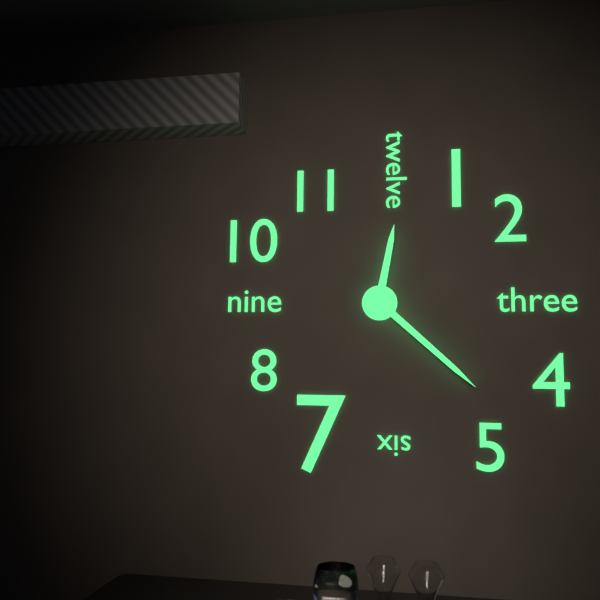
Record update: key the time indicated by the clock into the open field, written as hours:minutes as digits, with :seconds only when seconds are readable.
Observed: 12:22
